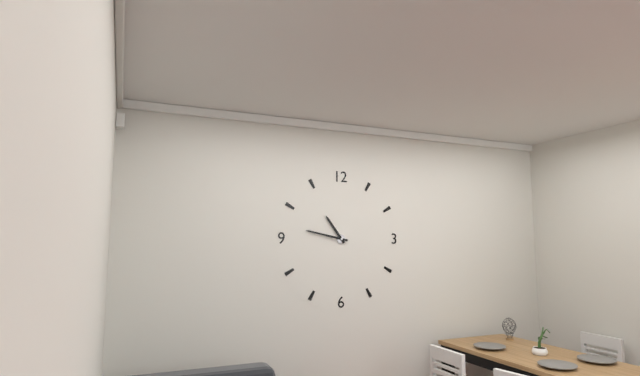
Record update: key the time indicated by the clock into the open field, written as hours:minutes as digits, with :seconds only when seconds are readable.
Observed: 10:47
